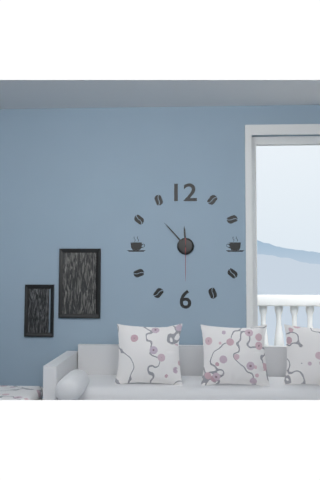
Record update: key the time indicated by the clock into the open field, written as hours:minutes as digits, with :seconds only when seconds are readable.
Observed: 11:53
